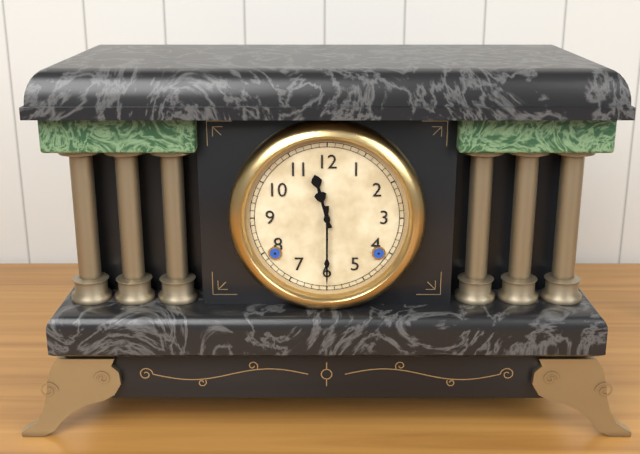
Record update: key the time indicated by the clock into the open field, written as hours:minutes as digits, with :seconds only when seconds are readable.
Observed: 11:30
